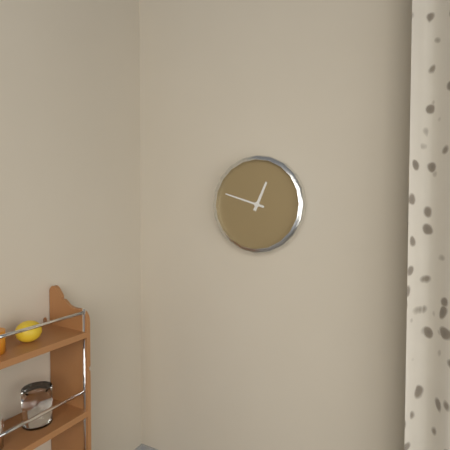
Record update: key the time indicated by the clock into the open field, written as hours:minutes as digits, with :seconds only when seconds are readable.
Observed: 12:48
